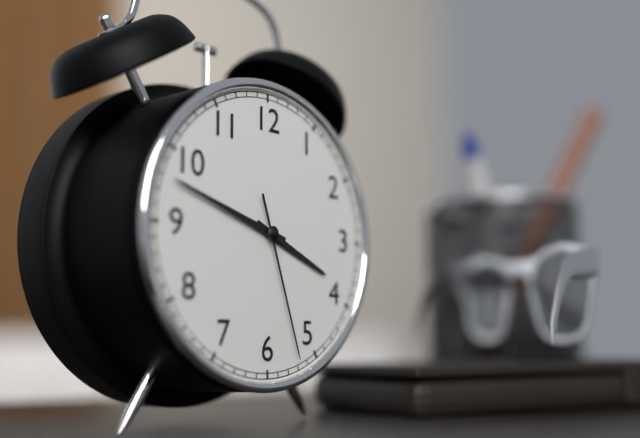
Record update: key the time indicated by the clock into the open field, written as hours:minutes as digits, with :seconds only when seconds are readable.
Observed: 3:48:27
